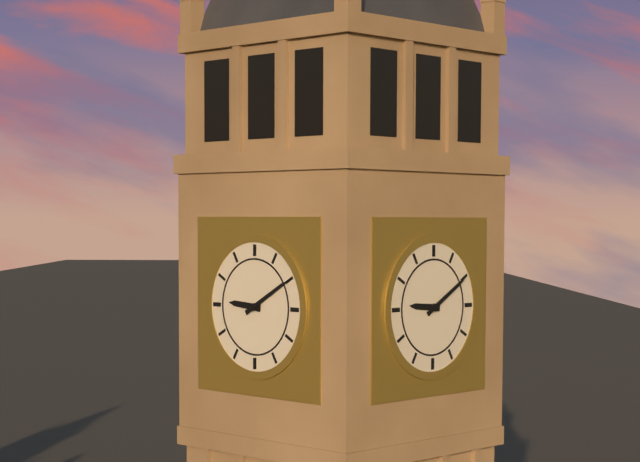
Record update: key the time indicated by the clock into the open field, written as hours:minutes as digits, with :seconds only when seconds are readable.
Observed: 9:10
